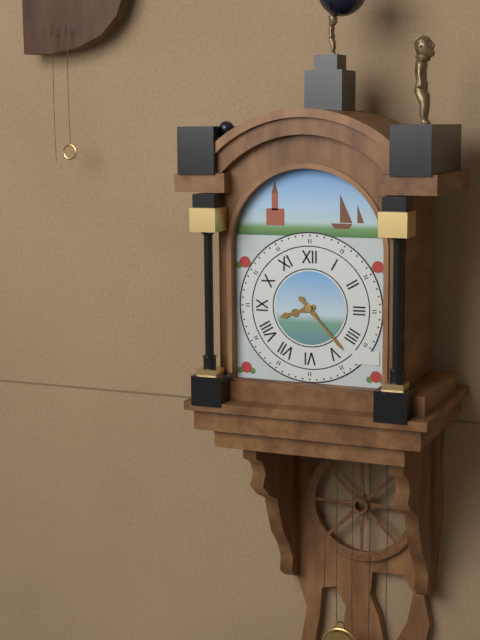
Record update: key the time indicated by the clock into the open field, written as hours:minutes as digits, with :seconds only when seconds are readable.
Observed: 8:23
